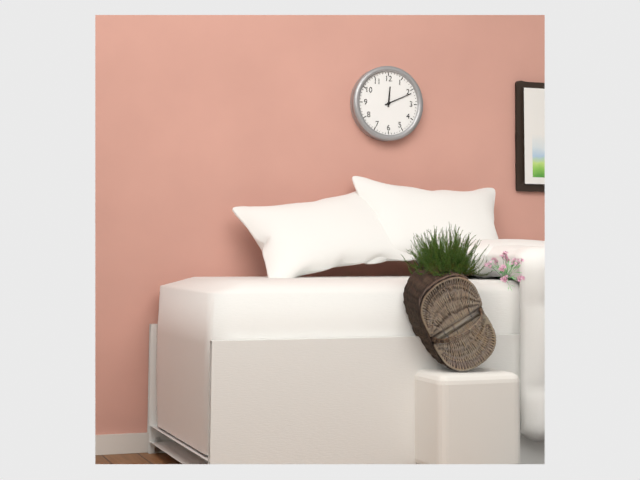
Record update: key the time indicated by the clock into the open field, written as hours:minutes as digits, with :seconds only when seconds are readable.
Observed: 12:11
